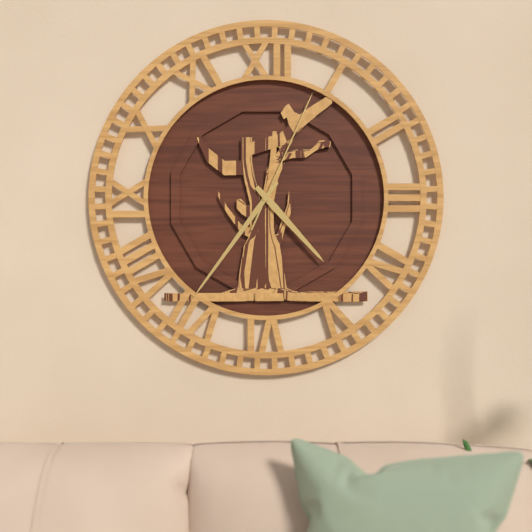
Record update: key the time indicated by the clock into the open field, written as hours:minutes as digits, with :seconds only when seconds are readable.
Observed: 4:36:04
